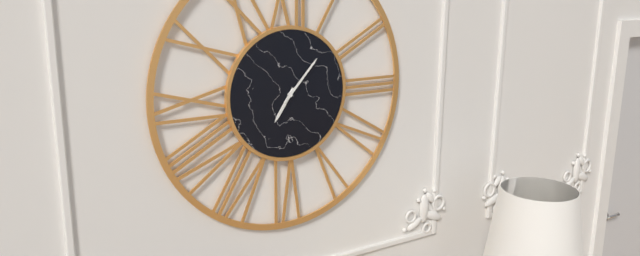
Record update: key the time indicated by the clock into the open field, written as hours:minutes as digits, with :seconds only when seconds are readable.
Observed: 7:07
